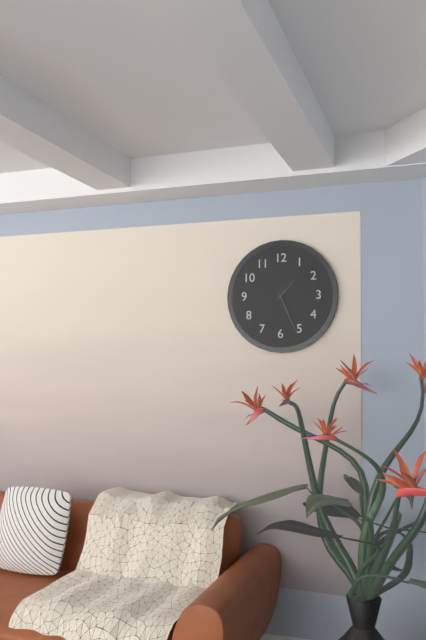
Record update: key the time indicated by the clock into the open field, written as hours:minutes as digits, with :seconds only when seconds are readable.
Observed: 1:26
